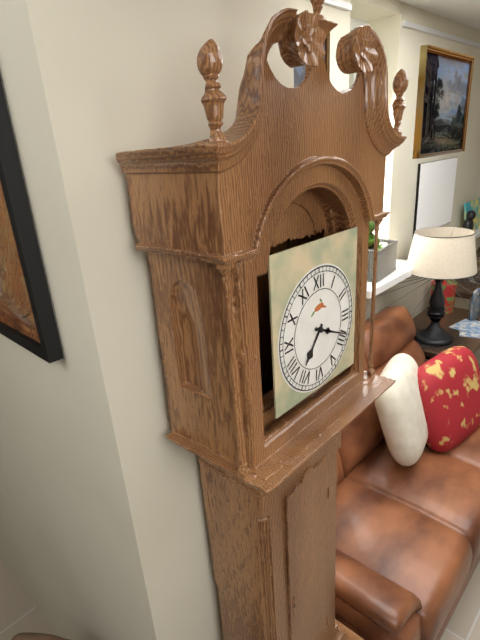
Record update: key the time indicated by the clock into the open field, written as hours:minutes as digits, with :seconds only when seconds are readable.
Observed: 7:19
